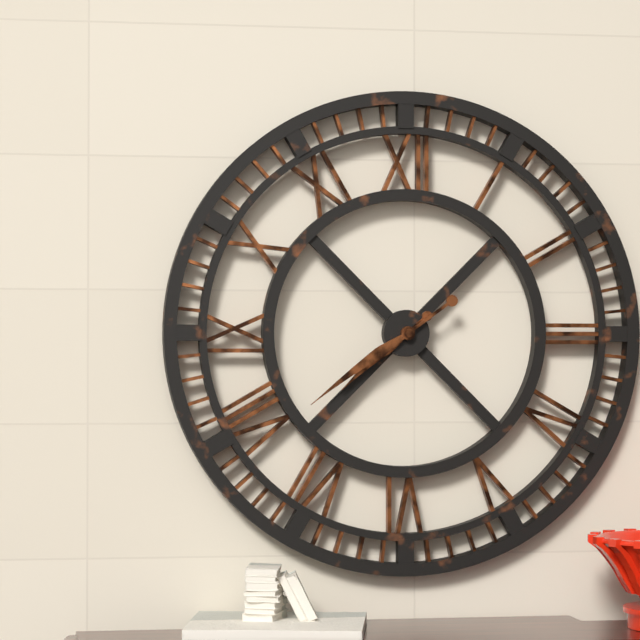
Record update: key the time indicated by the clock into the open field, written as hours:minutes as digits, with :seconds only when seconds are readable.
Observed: 7:39
